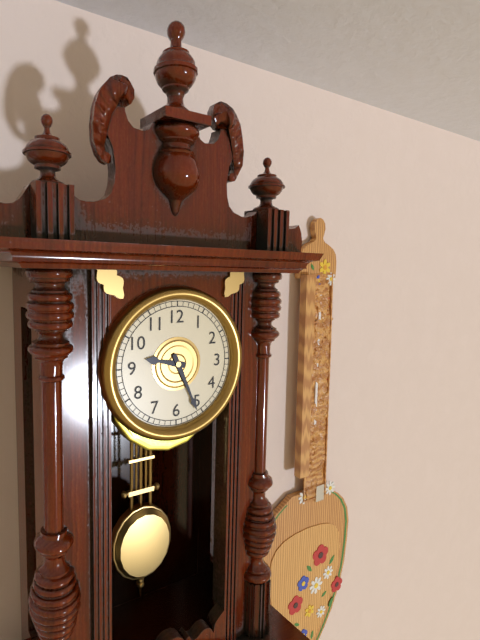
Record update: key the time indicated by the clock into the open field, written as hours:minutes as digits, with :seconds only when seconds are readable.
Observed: 9:26
